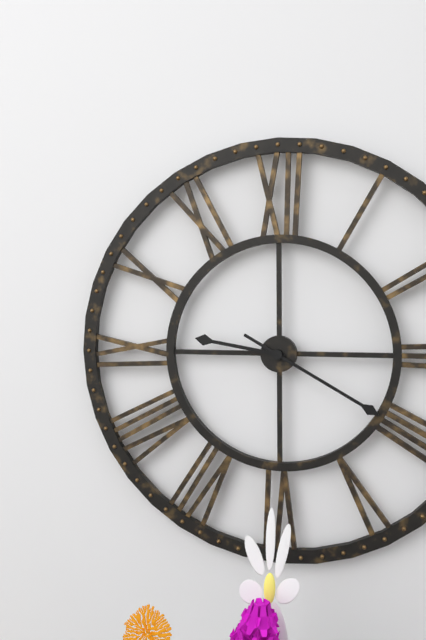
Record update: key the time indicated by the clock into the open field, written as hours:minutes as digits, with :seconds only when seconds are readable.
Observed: 9:20
